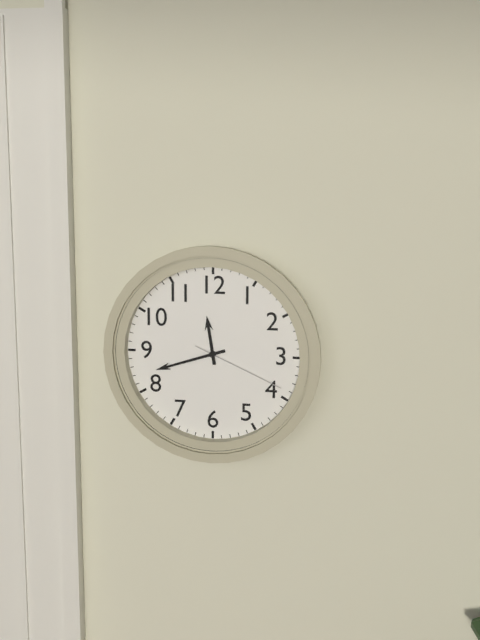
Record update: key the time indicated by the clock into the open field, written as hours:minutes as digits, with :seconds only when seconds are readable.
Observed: 11:42:19
